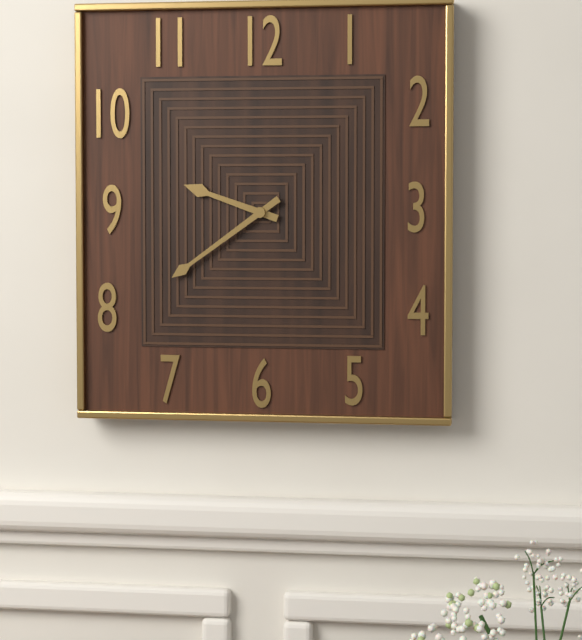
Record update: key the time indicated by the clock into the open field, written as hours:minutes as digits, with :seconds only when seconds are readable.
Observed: 9:39
